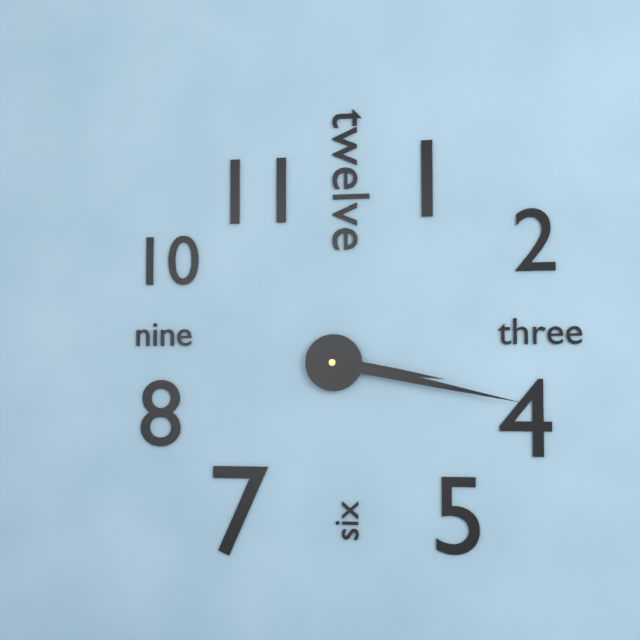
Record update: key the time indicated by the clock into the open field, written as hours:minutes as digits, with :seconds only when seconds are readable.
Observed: 3:17
